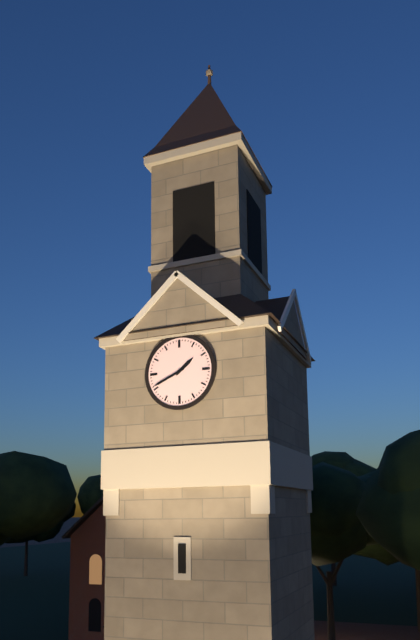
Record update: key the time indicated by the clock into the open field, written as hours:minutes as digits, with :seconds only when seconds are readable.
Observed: 1:41
